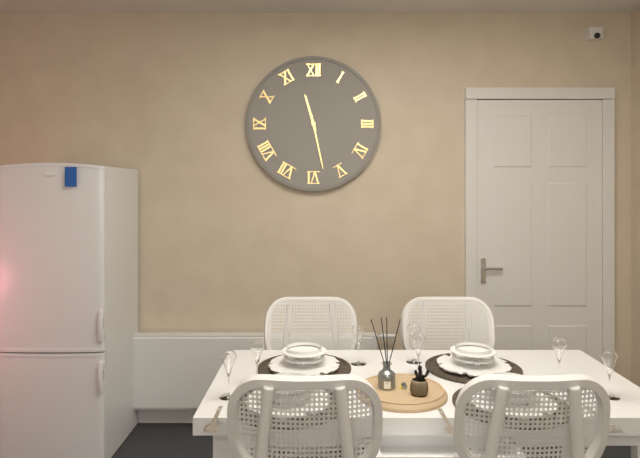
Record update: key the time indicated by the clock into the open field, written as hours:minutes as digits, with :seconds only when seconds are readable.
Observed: 11:28
